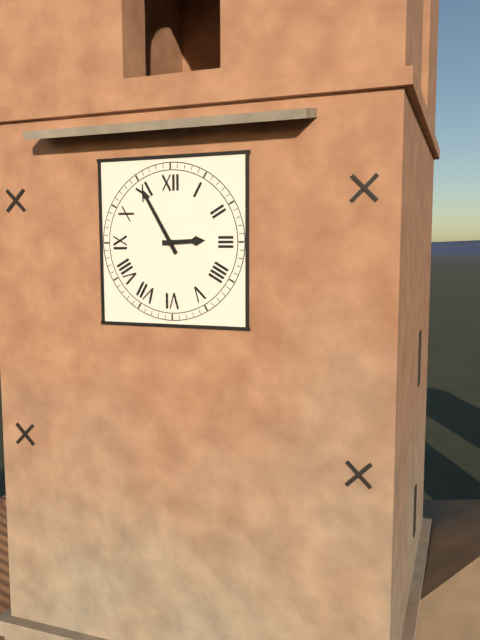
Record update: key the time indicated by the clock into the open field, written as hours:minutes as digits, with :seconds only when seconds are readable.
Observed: 2:55
